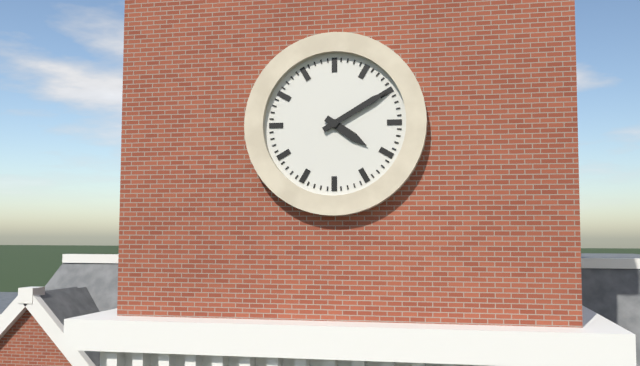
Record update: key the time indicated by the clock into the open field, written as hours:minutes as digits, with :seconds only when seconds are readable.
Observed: 4:10
